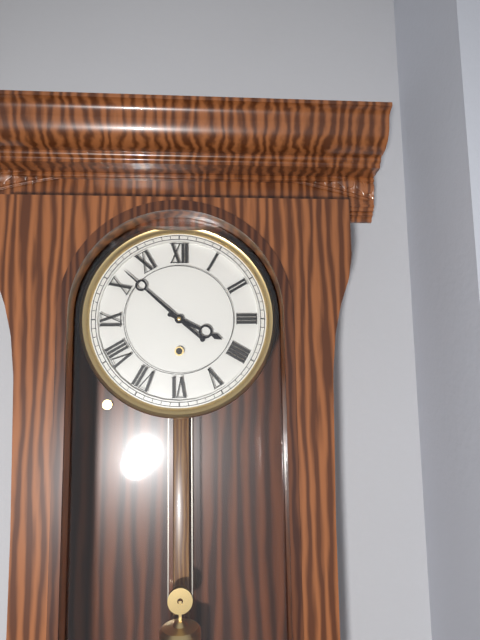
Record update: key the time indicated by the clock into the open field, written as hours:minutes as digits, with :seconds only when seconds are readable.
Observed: 3:52
